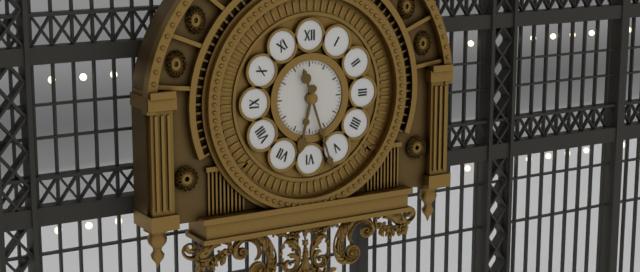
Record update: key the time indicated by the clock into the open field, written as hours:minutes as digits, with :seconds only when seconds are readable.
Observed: 6:27
